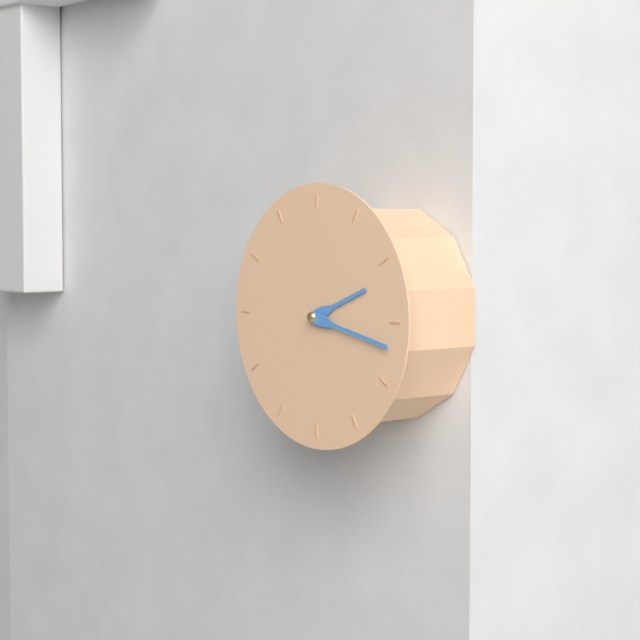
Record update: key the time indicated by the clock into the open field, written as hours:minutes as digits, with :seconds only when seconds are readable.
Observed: 2:17
